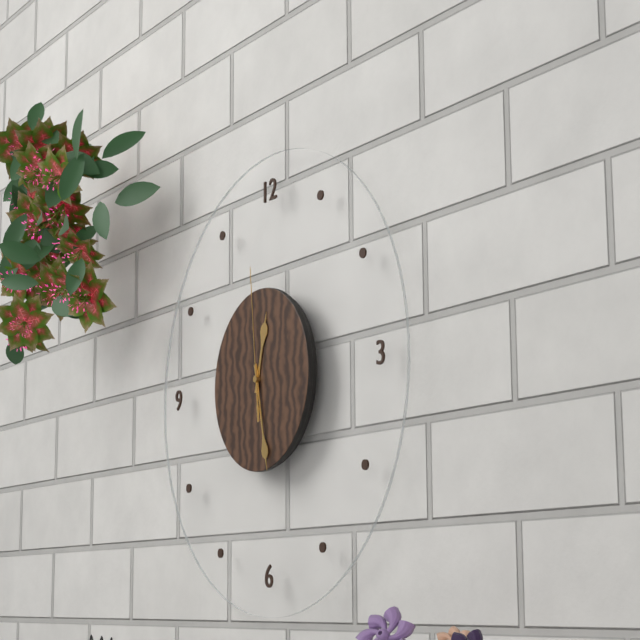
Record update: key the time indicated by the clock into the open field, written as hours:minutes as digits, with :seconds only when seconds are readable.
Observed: 12:28:59
